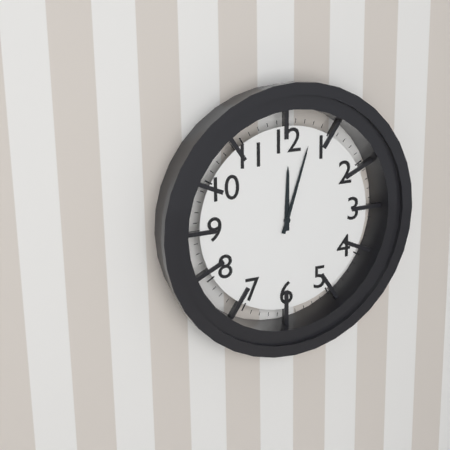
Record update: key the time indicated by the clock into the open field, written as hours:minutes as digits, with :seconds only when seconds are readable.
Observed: 12:03
